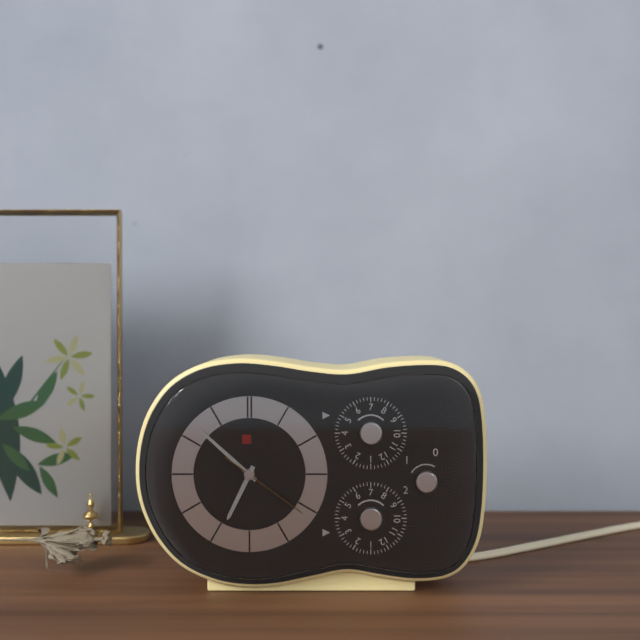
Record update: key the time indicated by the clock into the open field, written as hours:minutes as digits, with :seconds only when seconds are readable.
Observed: 6:52:21
